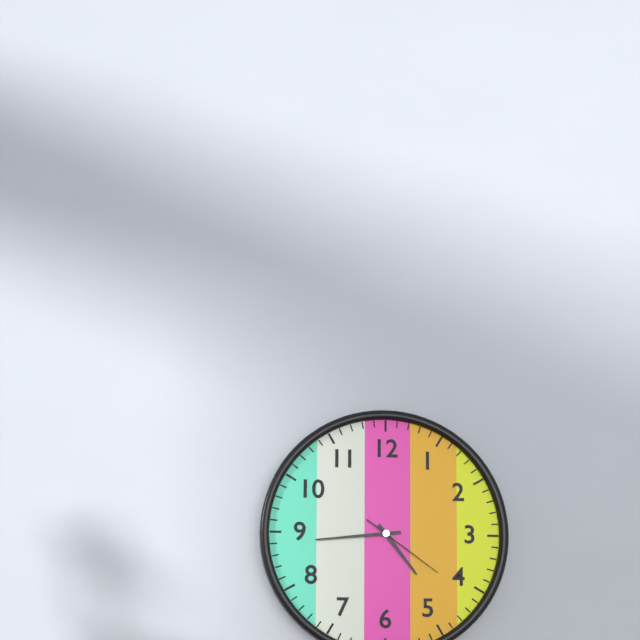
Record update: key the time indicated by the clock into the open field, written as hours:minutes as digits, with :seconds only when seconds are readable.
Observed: 4:44:21
